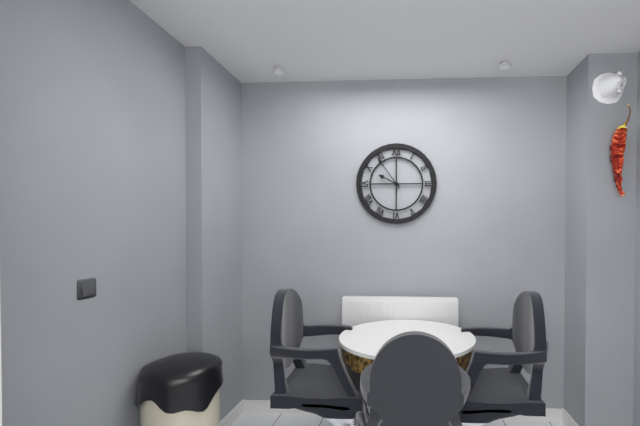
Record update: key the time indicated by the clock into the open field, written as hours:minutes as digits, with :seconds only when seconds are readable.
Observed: 9:54
